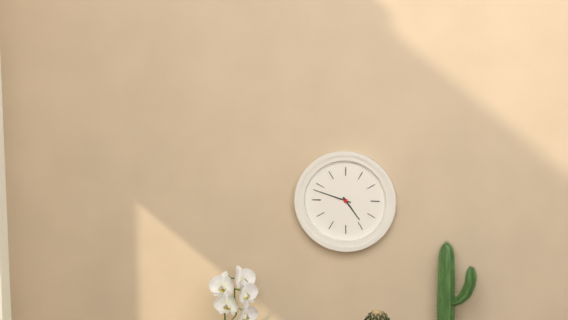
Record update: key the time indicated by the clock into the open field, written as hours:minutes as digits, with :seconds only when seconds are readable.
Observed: 4:48
